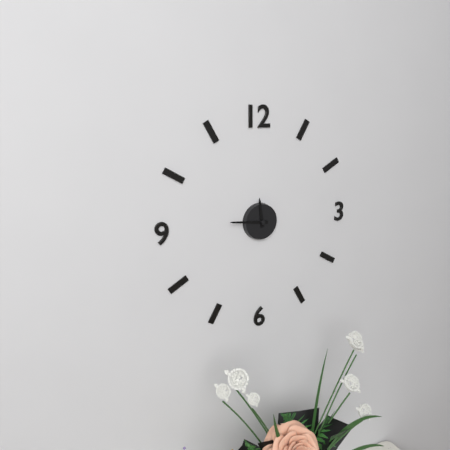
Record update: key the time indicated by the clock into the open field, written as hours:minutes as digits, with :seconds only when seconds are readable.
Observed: 11:46
